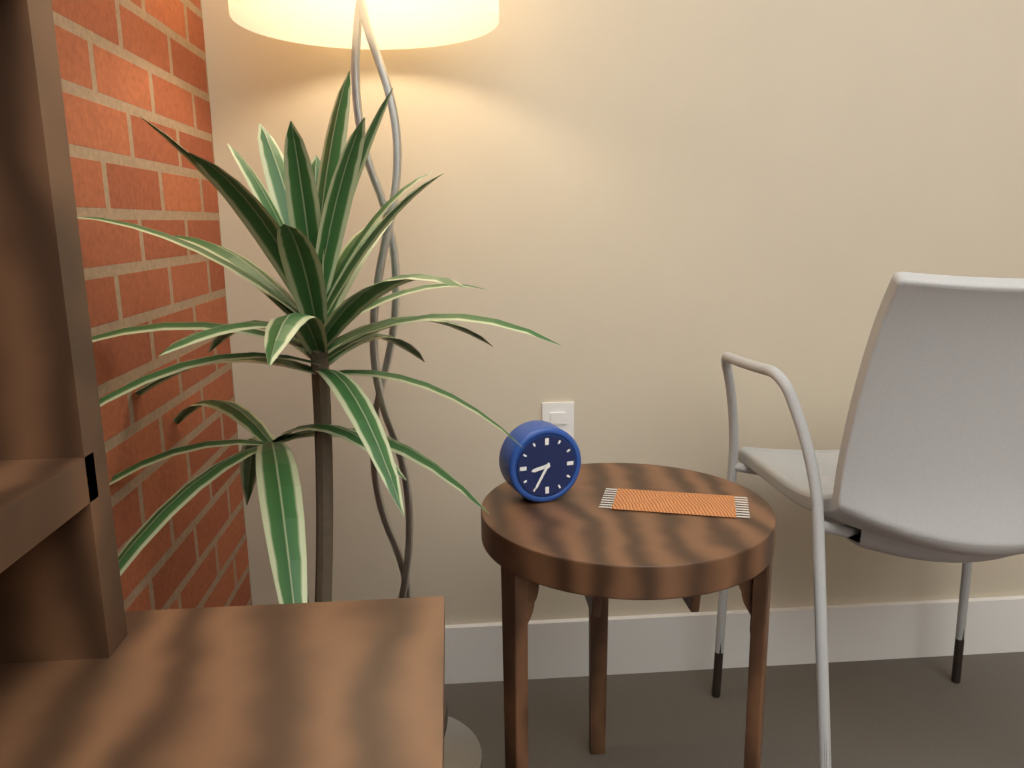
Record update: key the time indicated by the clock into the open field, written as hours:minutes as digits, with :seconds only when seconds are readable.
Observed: 8:35
